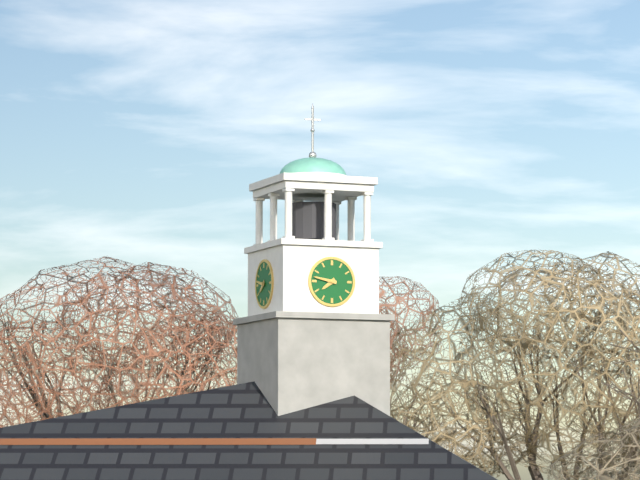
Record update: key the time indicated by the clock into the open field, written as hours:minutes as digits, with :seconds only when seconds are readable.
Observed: 7:47
